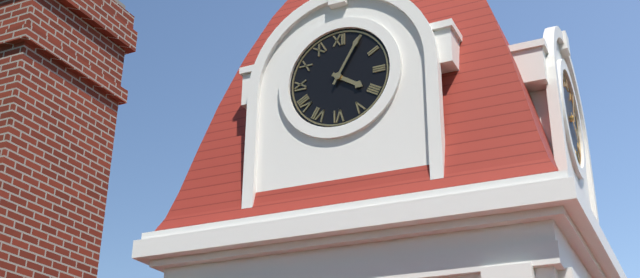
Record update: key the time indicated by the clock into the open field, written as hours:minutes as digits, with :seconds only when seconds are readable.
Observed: 4:05
